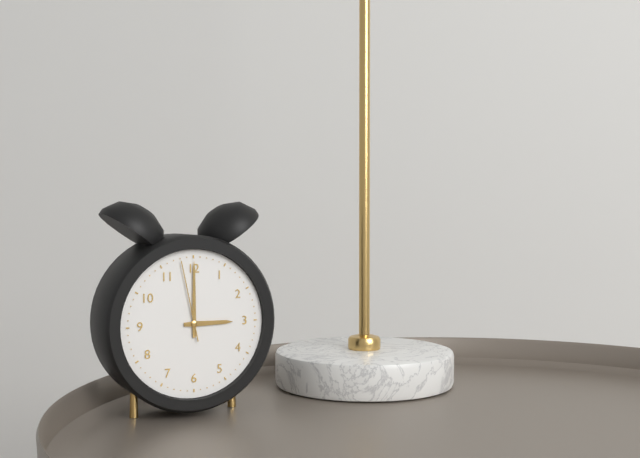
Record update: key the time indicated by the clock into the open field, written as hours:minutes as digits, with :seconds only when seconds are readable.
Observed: 3:00:58
